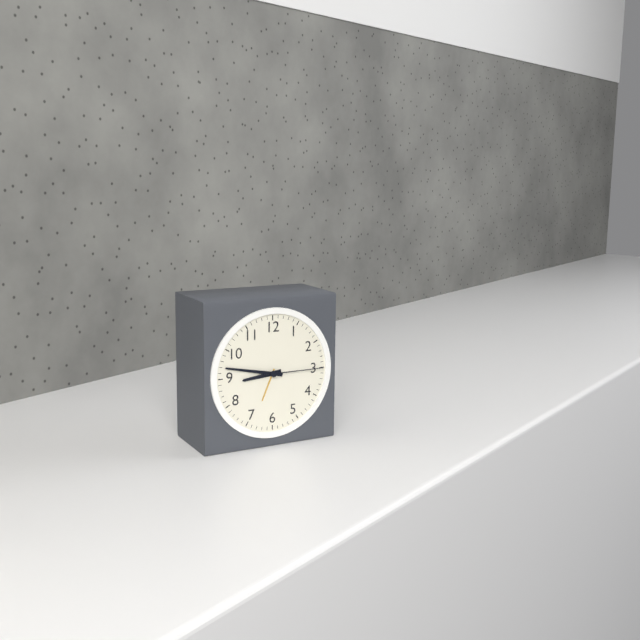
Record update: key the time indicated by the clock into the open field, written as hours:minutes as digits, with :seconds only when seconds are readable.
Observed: 8:47:15
